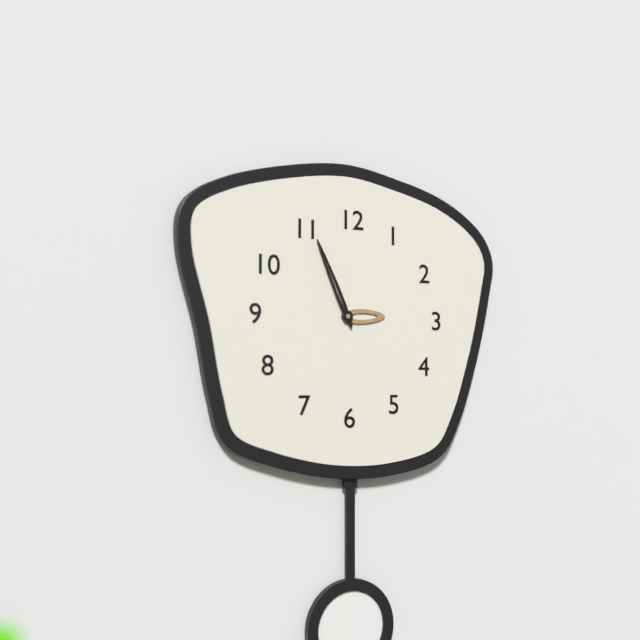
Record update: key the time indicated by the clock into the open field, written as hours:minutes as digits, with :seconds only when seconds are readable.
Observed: 2:56
